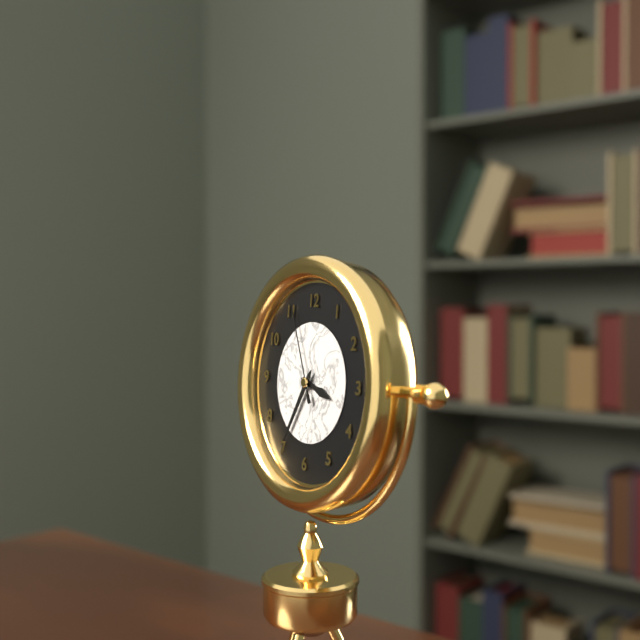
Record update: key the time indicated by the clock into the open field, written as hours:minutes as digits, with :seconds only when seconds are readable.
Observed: 3:35:56
